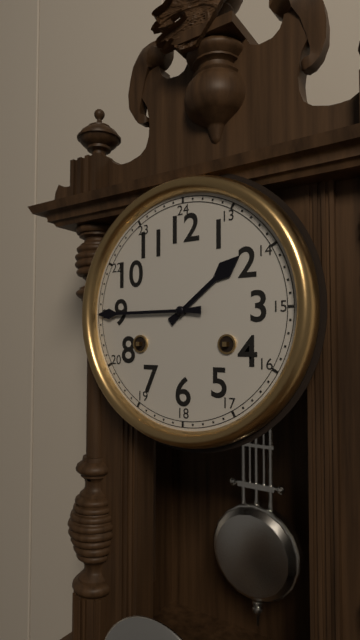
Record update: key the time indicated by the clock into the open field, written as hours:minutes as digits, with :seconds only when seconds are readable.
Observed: 1:45
